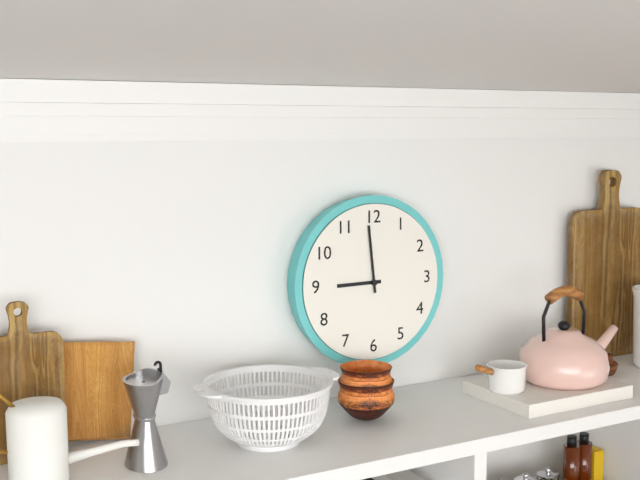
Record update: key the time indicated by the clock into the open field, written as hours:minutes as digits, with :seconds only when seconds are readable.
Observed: 8:59
